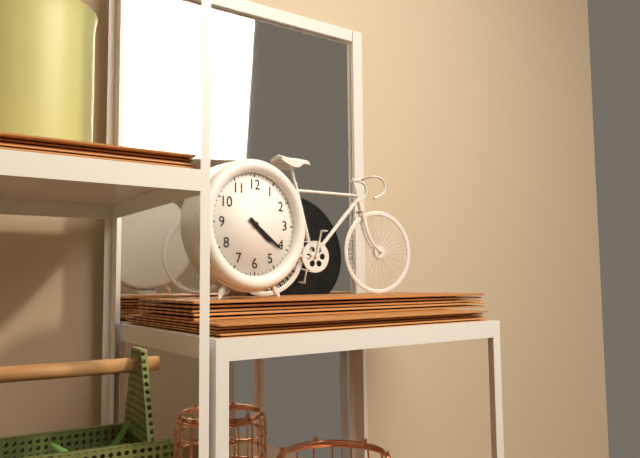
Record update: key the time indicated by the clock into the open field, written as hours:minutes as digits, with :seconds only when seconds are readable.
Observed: 4:21
